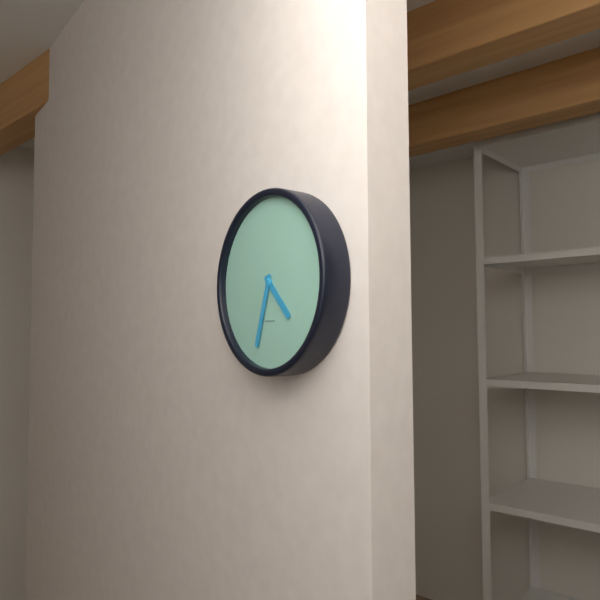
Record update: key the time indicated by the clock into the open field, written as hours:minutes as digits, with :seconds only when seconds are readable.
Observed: 4:33
